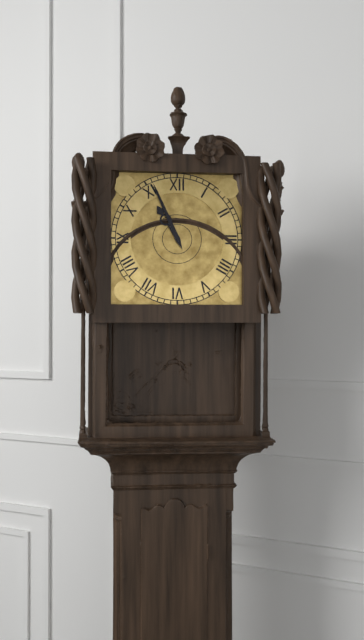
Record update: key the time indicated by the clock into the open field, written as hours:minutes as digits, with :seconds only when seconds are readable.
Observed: 10:56
